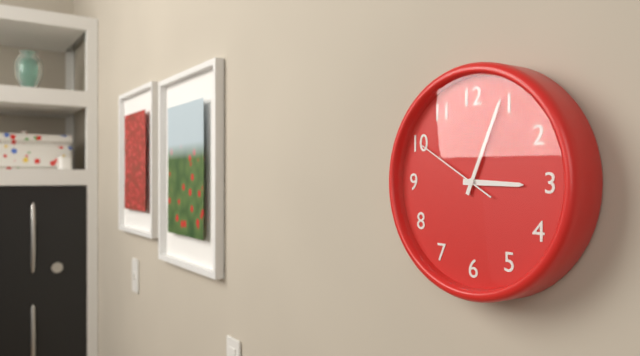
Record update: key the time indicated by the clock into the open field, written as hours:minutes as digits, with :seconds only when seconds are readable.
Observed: 3:04:50
